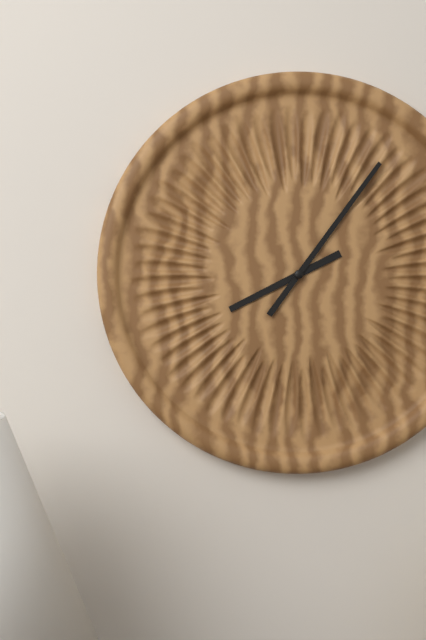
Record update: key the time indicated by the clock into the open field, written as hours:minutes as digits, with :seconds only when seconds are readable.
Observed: 8:06
